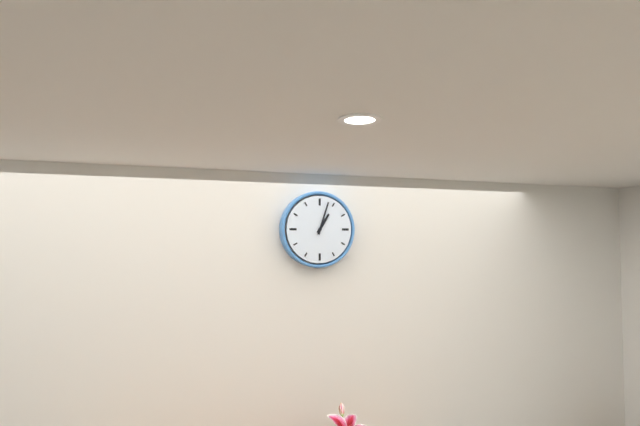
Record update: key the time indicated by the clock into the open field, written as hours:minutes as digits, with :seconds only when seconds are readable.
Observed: 1:03
